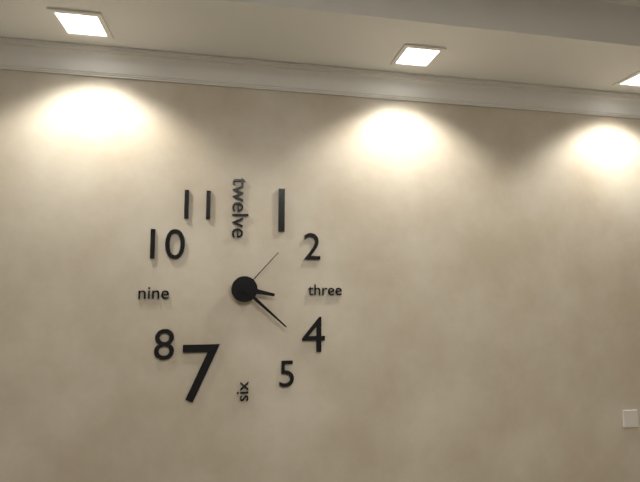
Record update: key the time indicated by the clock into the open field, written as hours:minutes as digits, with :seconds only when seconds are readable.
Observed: 3:22:07
